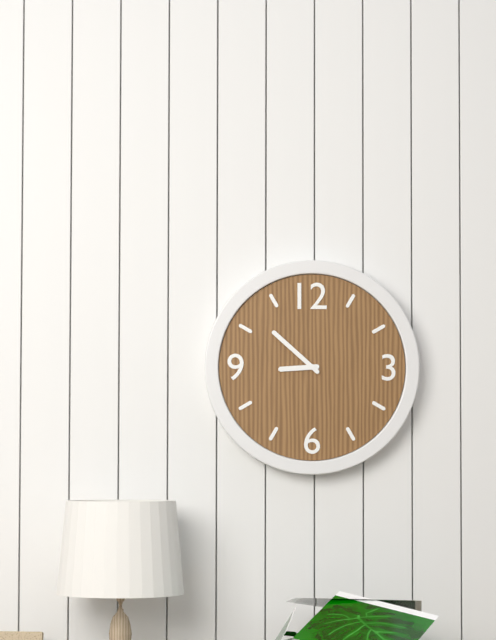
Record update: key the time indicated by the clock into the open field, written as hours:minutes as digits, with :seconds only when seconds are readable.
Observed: 8:52
